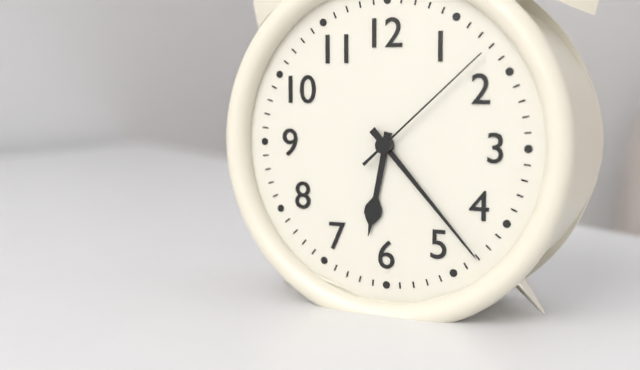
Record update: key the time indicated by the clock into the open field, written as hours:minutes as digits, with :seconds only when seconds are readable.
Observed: 6:23:08
